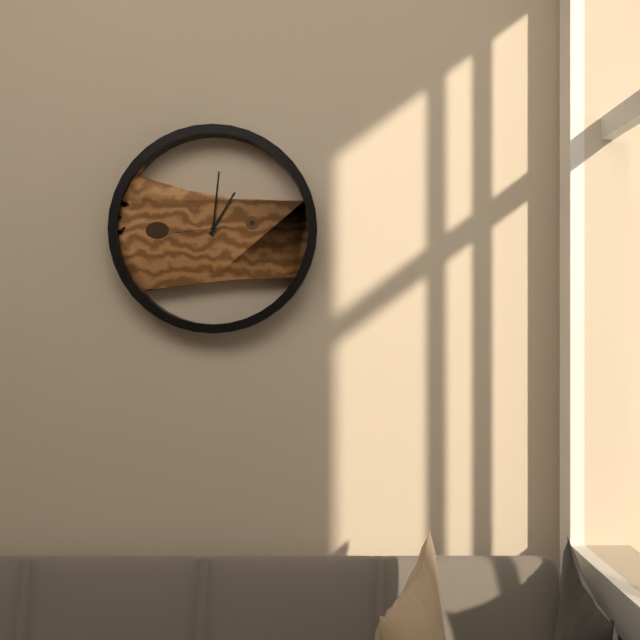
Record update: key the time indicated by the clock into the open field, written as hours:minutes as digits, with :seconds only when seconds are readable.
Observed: 1:01:44
